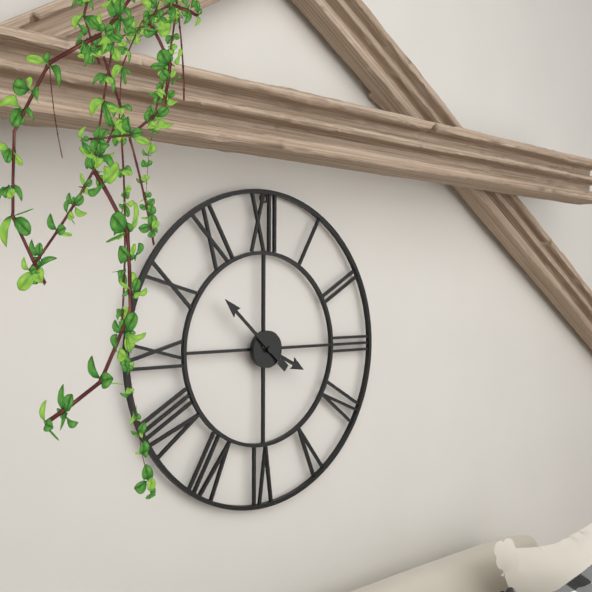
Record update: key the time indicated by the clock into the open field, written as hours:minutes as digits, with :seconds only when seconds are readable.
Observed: 3:52
